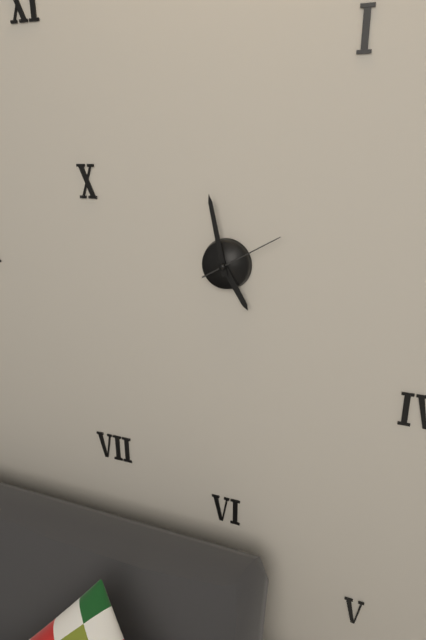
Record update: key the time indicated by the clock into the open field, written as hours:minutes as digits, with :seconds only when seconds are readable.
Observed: 4:58:10
